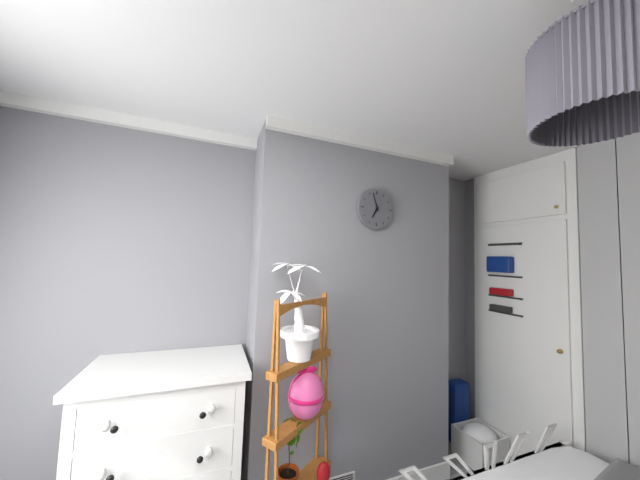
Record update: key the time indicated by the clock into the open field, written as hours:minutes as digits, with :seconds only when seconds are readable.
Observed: 6:57
